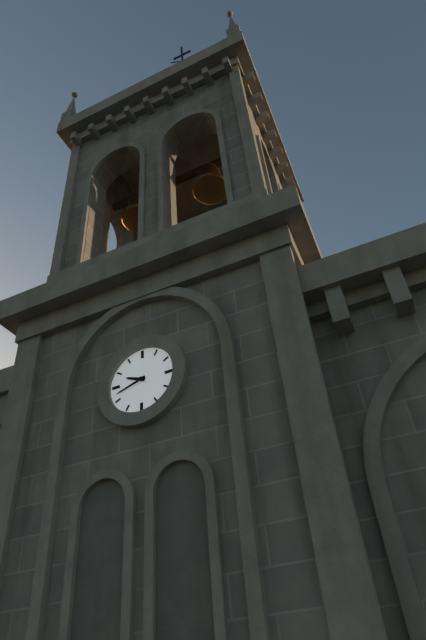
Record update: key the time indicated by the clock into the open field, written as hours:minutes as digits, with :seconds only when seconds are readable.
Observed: 9:42
